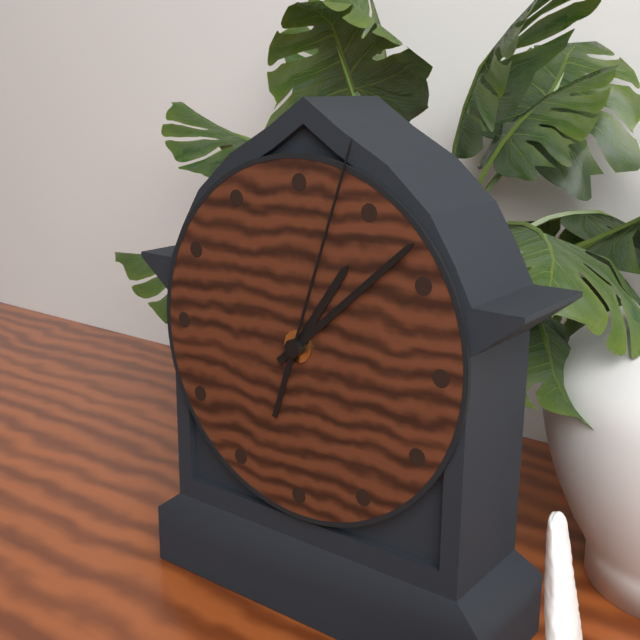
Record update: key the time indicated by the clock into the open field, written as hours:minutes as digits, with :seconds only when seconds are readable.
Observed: 1:08:03
